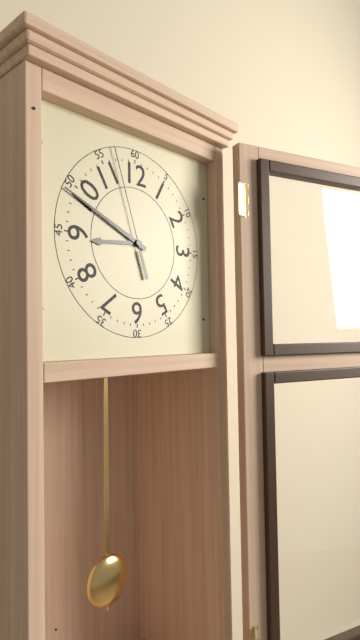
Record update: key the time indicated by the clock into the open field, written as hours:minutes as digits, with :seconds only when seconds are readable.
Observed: 8:49:57
